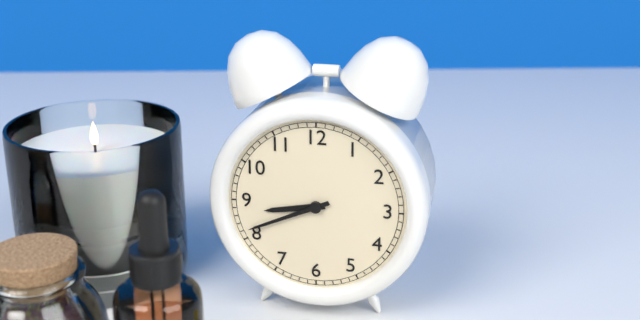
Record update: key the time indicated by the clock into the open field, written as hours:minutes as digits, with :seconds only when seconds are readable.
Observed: 8:41
